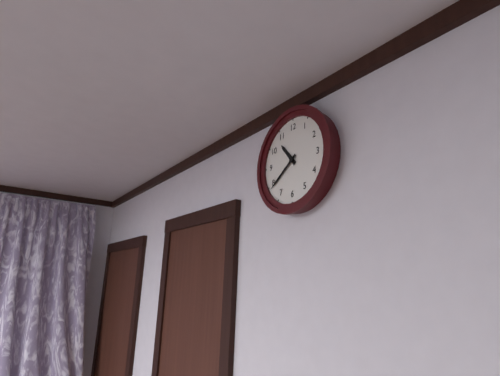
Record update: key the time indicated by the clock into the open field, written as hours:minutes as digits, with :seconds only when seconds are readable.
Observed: 10:39
